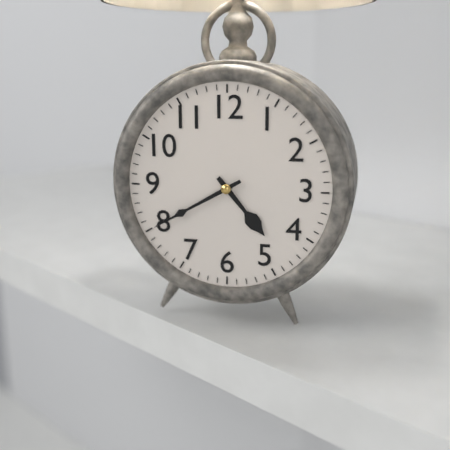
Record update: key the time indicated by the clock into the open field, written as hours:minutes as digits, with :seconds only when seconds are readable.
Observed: 4:40
